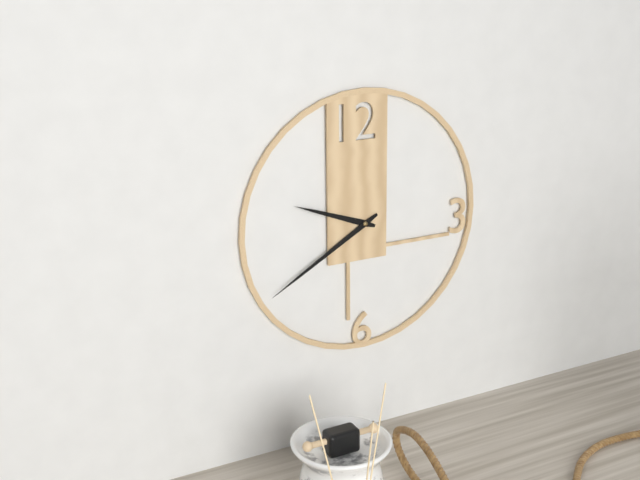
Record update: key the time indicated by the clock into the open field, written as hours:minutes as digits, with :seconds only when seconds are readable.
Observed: 9:40
